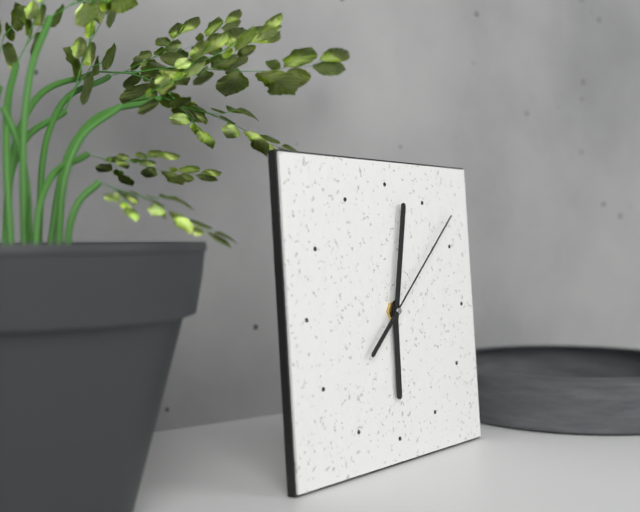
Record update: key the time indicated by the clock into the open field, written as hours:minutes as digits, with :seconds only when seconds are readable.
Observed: 6:02:08
